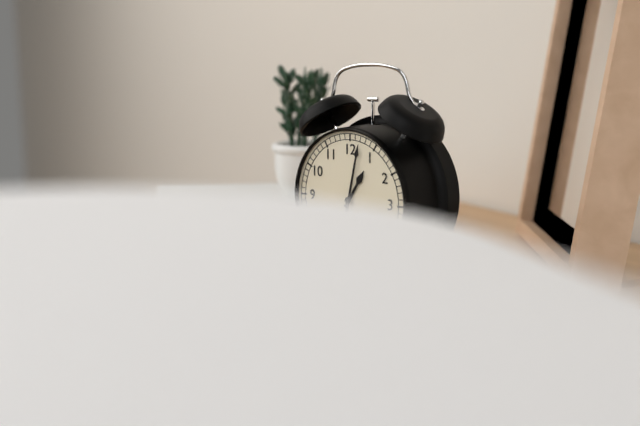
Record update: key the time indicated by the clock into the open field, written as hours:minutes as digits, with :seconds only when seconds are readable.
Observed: 1:02
